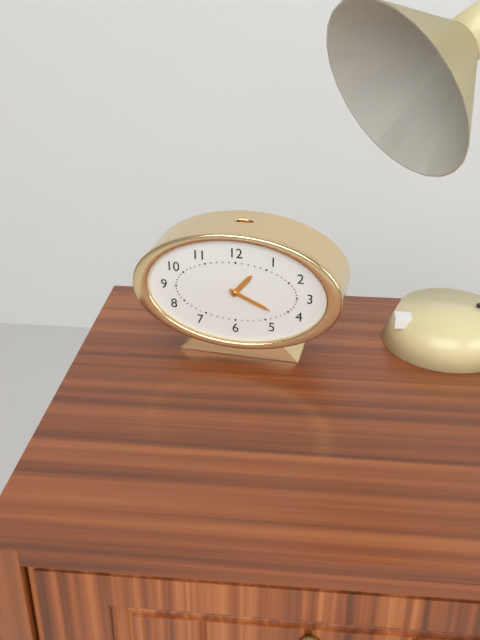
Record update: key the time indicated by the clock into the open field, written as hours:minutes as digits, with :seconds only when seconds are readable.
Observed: 1:19
